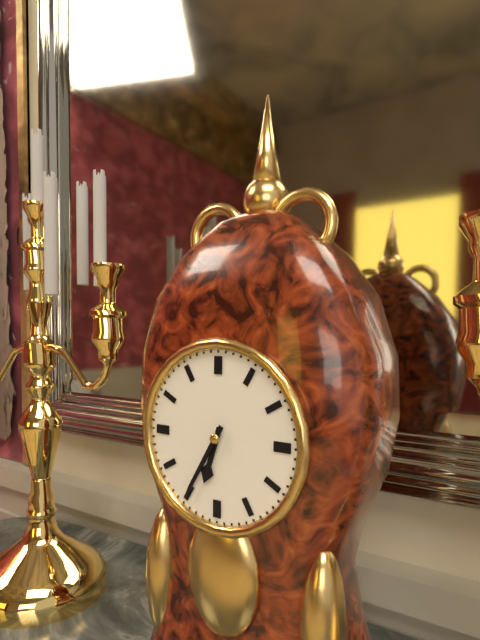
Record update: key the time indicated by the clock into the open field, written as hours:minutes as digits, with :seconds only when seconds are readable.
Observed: 6:35
